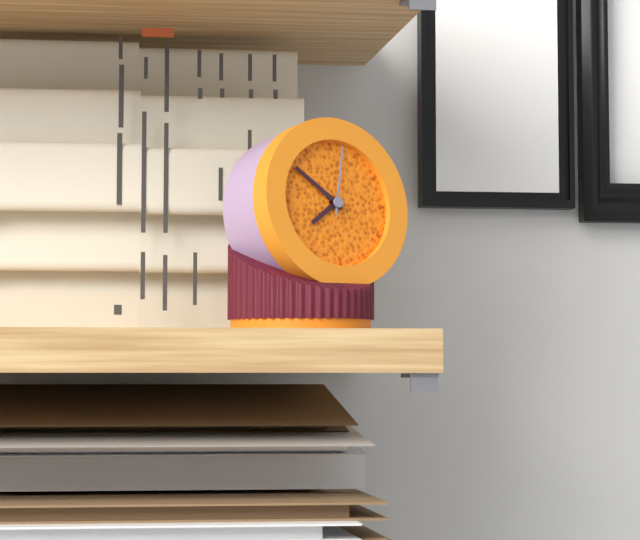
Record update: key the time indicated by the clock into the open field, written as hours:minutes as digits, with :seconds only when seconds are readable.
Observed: 7:51:02
